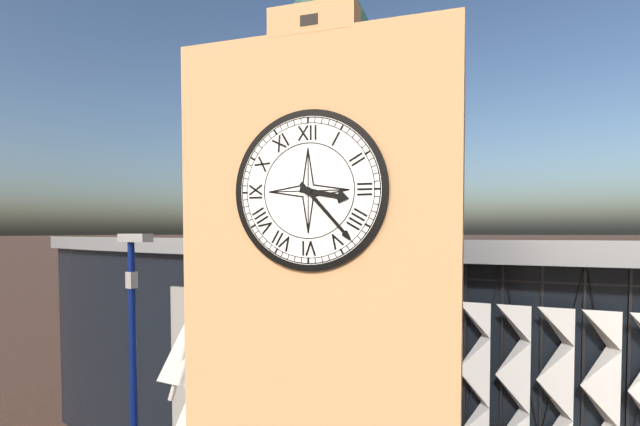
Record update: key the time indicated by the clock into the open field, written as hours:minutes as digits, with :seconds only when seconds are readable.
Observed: 3:23
